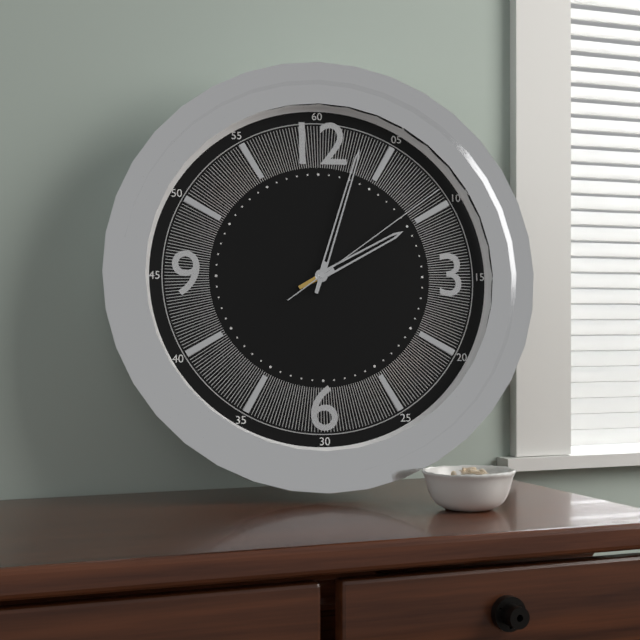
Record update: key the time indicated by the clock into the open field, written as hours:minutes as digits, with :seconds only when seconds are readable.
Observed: 2:03:09
